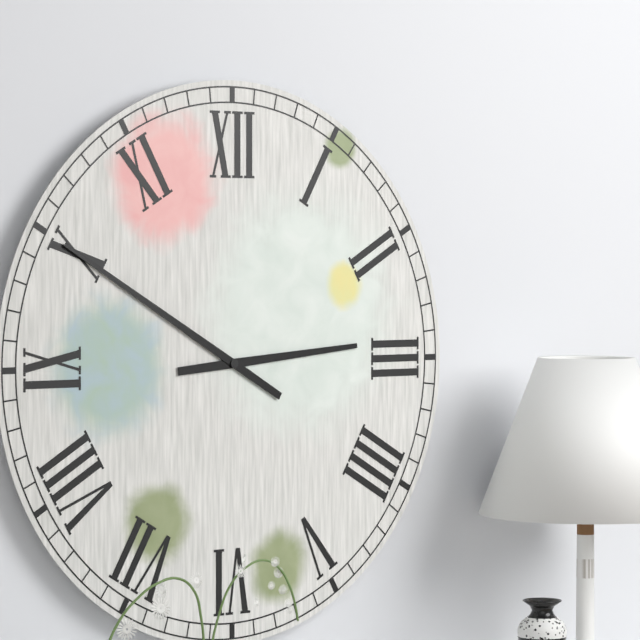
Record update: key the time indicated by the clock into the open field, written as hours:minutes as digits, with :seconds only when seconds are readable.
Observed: 2:50
